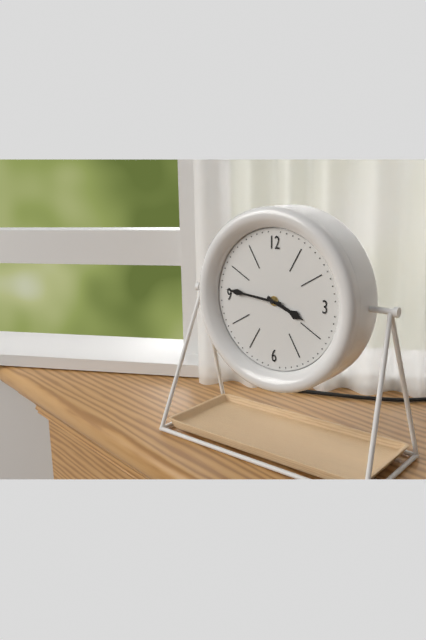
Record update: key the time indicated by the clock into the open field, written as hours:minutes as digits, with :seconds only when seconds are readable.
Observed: 3:46
